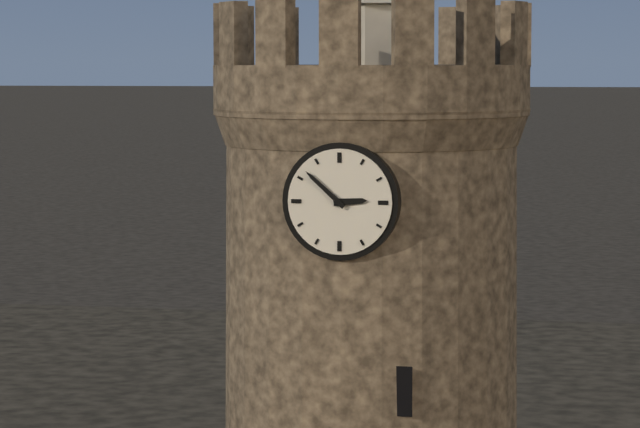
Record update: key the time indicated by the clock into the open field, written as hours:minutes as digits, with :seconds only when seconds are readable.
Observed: 2:52
